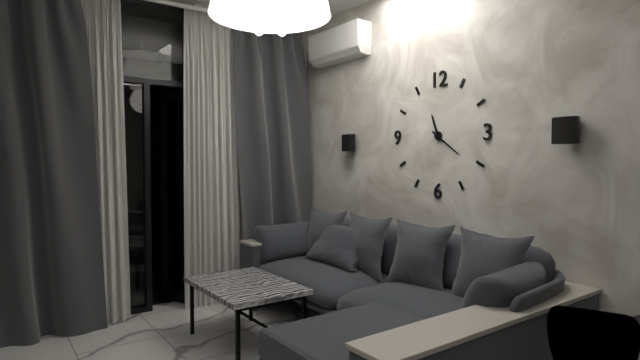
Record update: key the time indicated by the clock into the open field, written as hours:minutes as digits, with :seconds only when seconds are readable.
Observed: 11:21
